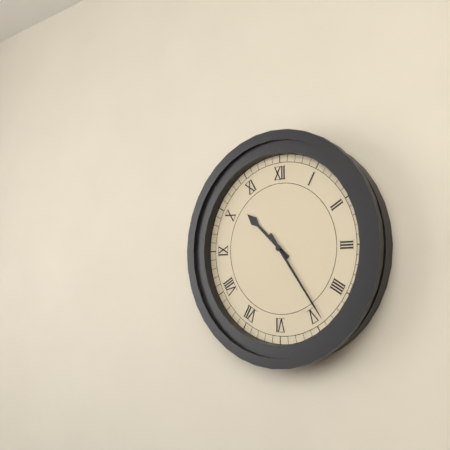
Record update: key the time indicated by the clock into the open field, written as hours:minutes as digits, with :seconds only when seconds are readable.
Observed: 10:24
